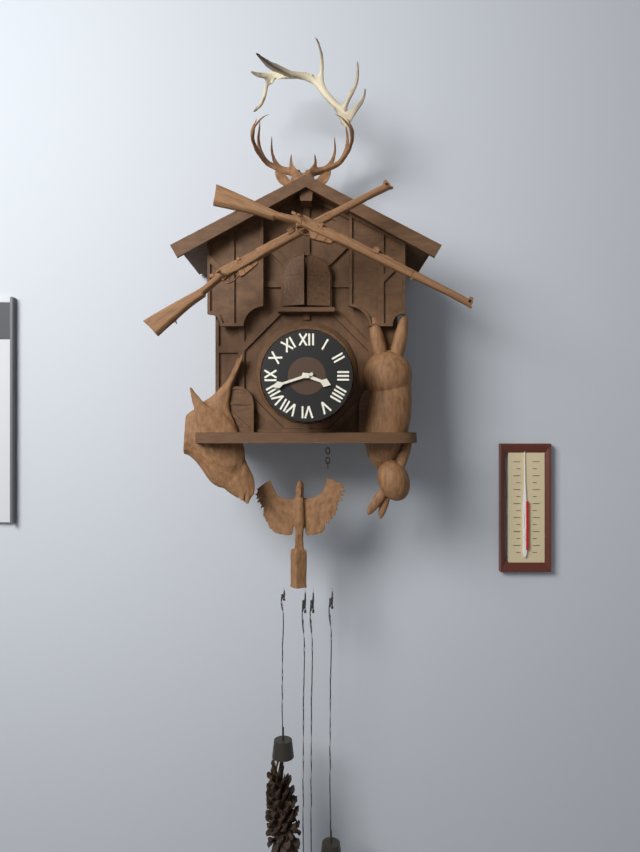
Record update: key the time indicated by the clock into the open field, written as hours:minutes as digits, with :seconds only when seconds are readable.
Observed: 3:42
